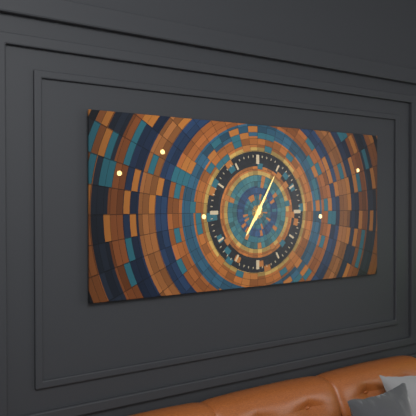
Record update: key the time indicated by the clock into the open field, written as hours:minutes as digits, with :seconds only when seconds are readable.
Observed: 7:05
